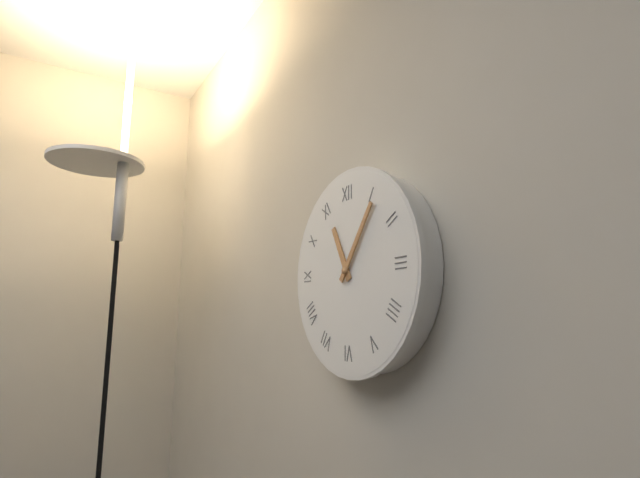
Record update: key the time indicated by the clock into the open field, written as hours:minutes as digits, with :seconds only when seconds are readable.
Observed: 11:06
